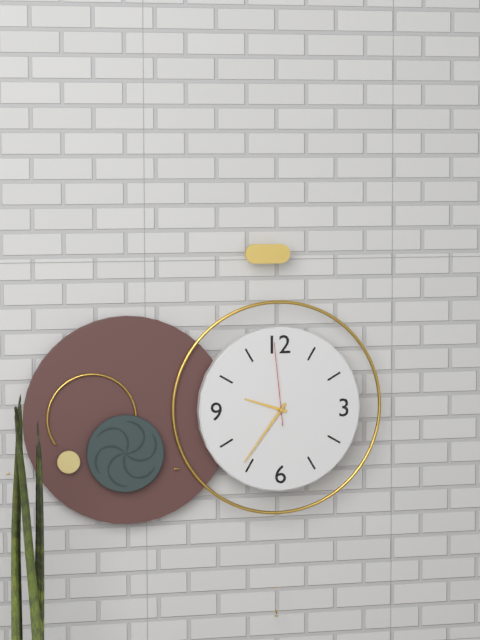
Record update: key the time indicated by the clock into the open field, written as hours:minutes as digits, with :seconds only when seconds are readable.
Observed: 9:36:59
